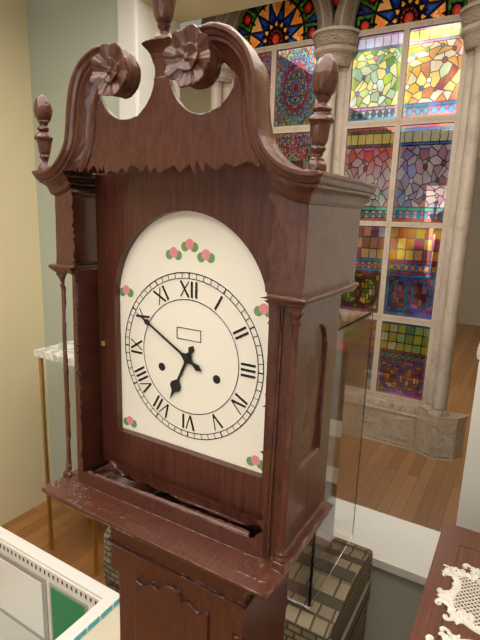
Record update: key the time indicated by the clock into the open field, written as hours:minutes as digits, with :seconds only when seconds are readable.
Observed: 6:50
